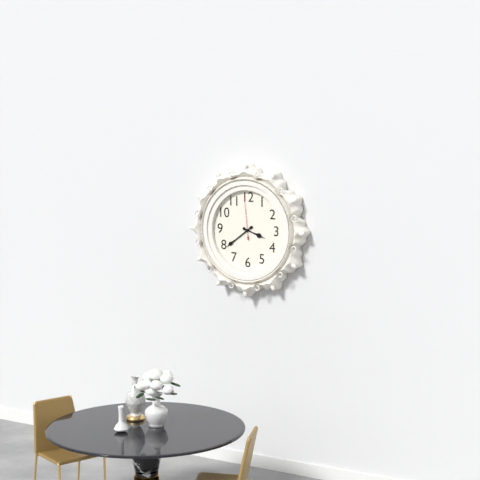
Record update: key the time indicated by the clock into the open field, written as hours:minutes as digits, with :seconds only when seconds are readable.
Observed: 3:39
